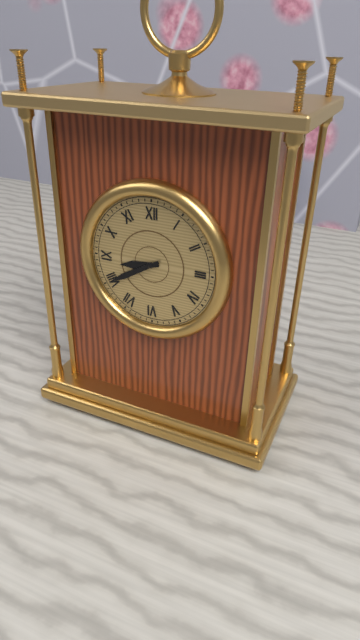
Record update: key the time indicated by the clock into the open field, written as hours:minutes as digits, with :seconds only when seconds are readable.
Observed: 8:40
